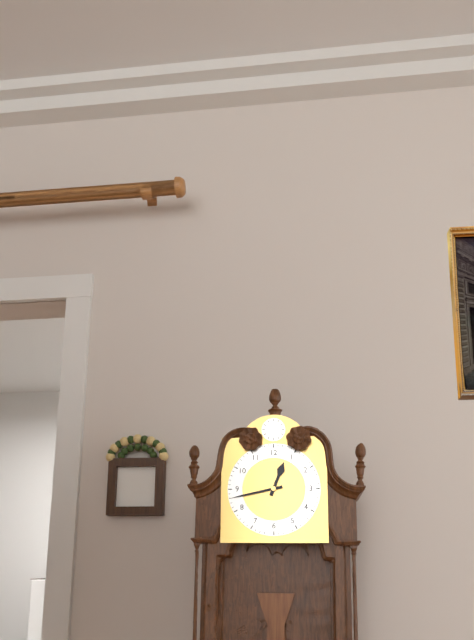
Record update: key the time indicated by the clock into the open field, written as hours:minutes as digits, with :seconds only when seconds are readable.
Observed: 12:43
